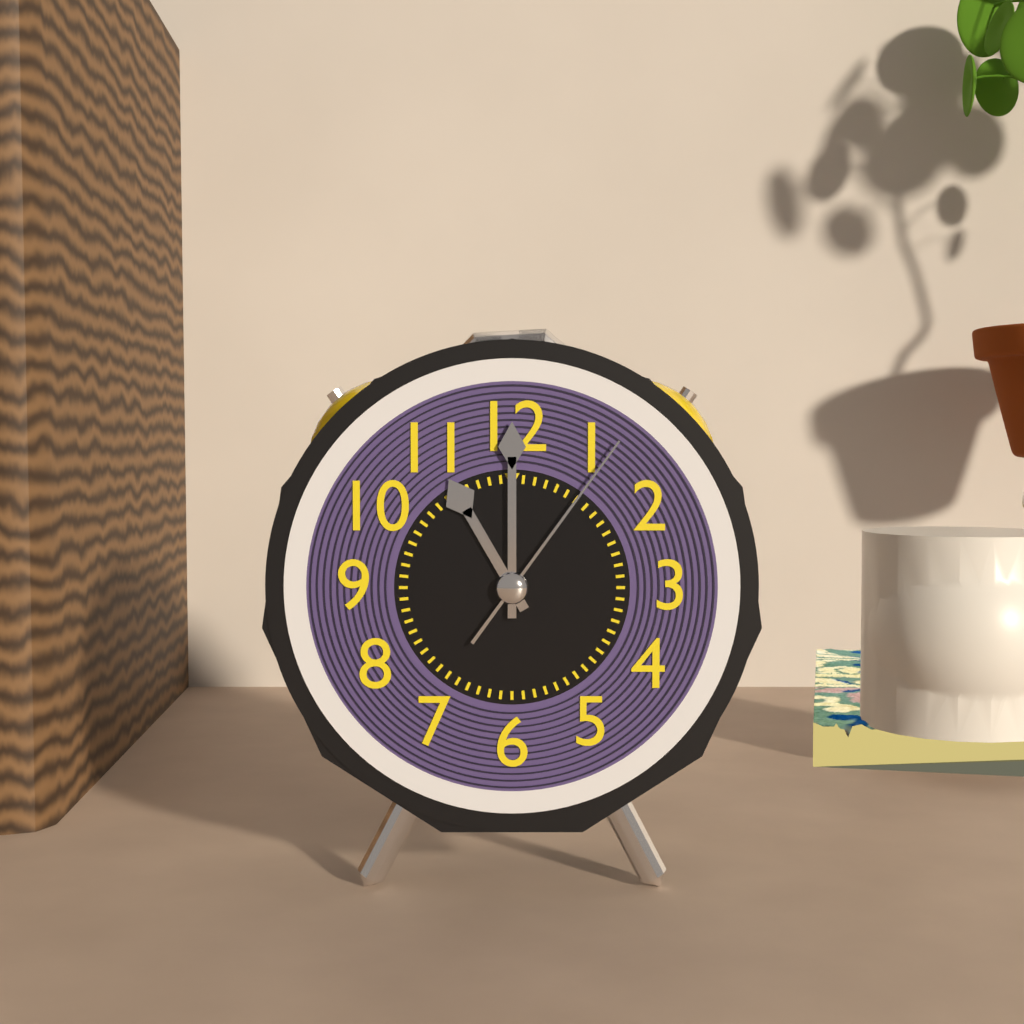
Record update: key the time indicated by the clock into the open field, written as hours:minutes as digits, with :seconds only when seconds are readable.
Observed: 11:00:06
